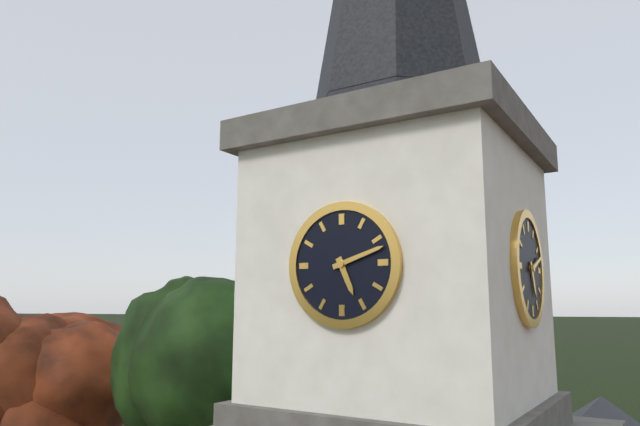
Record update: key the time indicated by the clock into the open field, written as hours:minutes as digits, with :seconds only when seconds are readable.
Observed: 5:12
